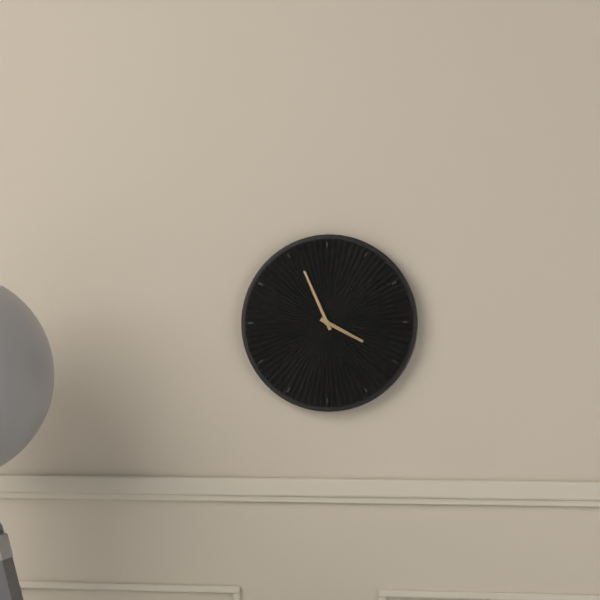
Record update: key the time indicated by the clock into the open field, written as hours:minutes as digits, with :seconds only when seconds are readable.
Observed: 3:56
